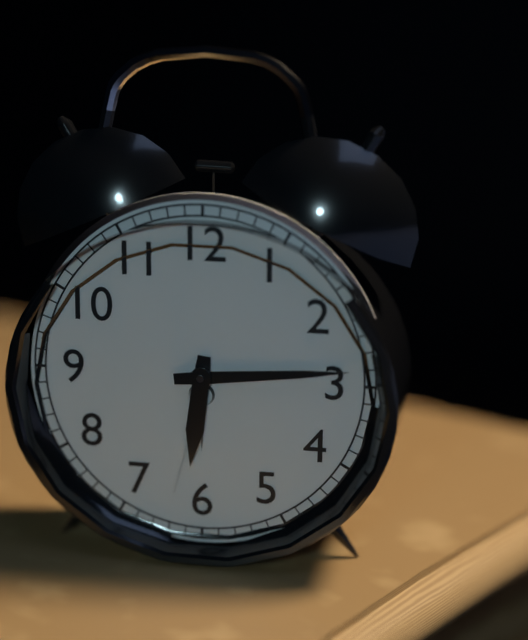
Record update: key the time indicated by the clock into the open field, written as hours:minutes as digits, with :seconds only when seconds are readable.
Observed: 6:14
